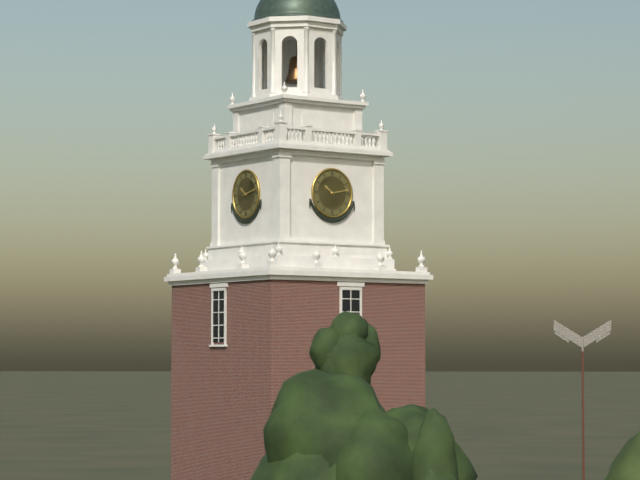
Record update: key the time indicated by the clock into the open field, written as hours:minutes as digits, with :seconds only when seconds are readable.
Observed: 10:13
